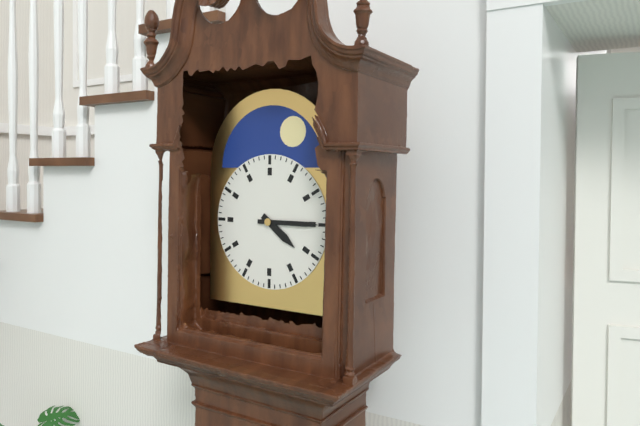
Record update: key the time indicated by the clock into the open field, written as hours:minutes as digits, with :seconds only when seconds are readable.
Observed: 4:15
